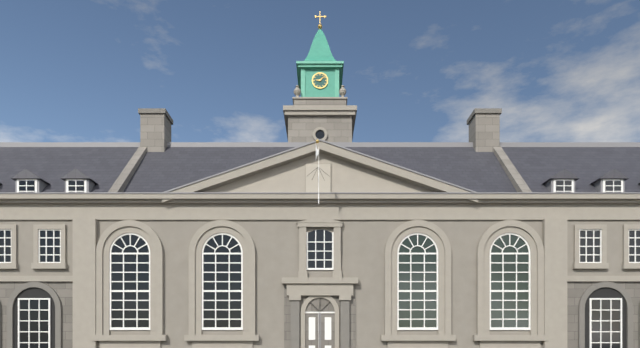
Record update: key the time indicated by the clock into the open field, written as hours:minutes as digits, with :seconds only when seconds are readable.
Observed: 9:08
